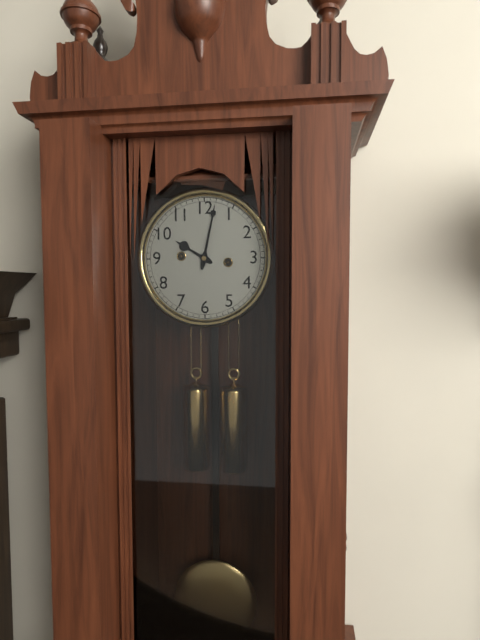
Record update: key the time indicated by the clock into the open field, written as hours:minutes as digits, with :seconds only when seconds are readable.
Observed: 10:02
